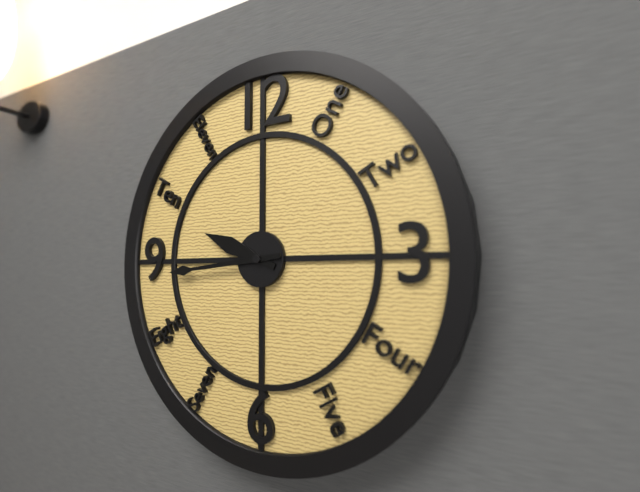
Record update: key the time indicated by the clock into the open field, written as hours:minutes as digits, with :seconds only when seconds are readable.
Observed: 9:44
